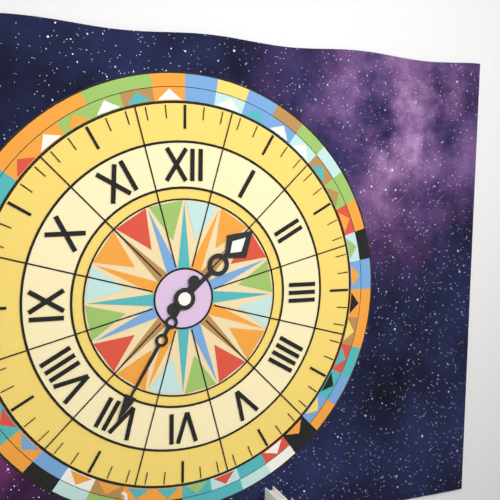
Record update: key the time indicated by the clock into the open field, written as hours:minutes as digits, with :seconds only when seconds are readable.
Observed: 1:35
